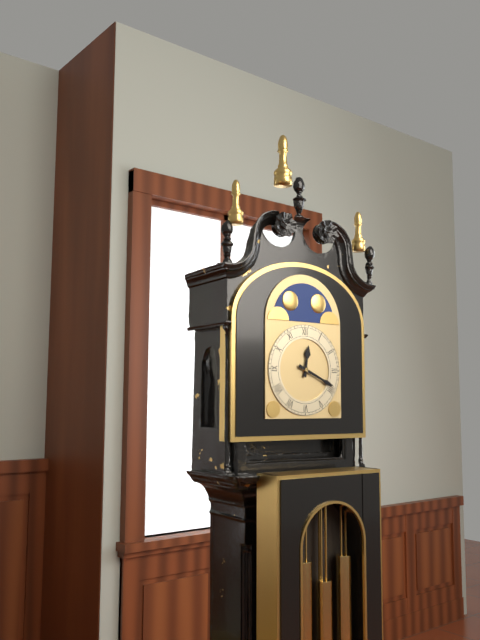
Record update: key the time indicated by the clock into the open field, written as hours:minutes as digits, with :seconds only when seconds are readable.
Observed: 12:19
